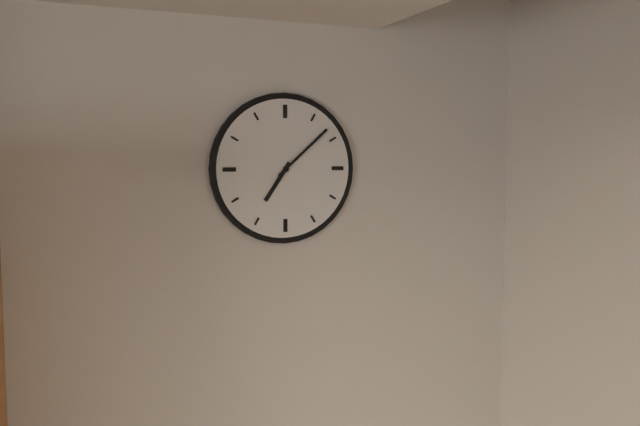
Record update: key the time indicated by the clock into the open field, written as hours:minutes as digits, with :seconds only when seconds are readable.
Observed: 7:08
